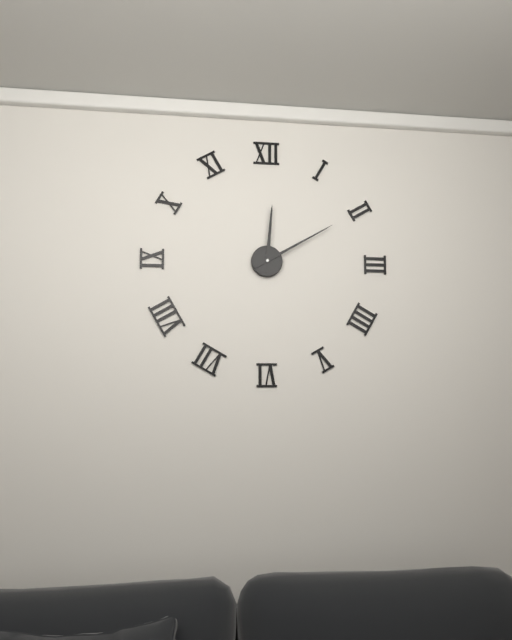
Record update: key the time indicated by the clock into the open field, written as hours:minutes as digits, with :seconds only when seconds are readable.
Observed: 12:10
